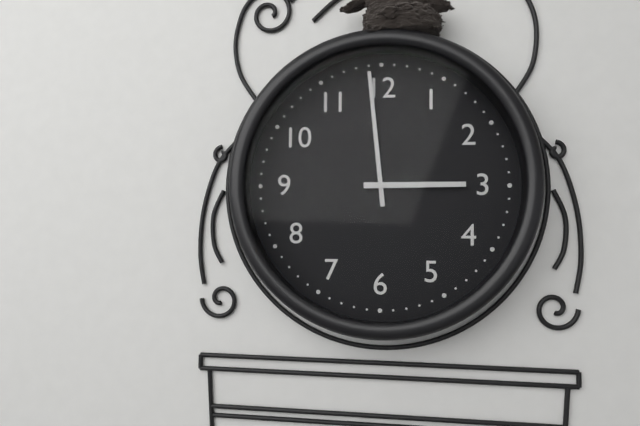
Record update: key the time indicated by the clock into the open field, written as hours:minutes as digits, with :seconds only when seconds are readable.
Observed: 2:59
